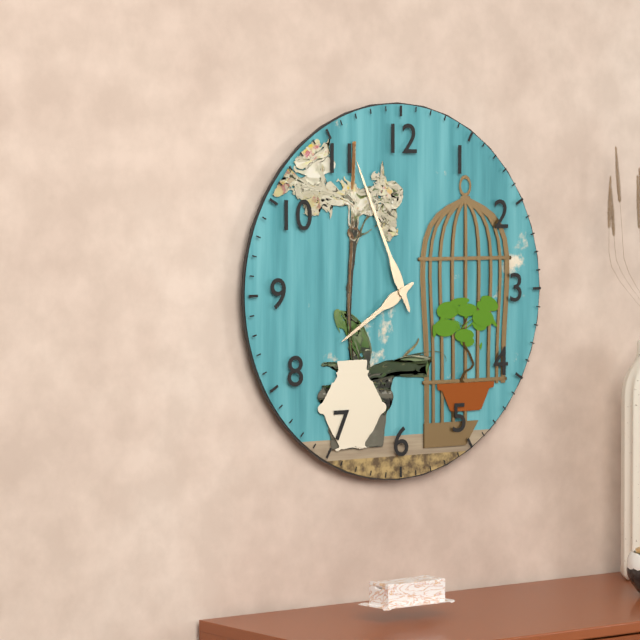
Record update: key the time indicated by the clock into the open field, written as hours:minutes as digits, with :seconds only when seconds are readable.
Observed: 7:56
